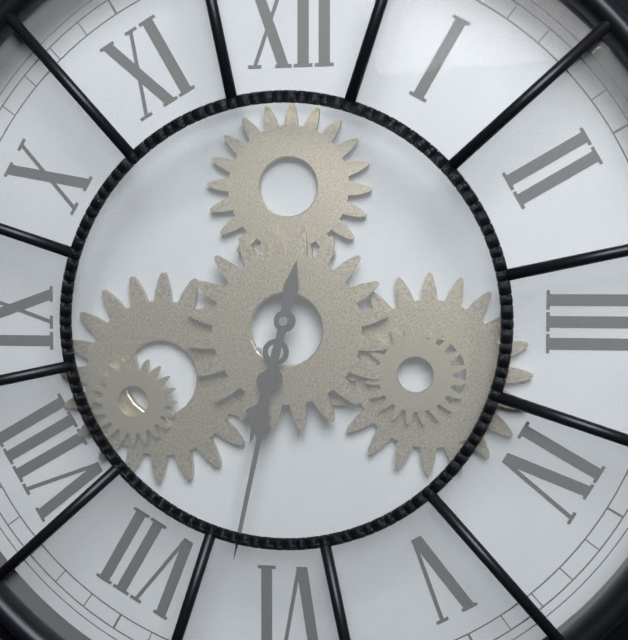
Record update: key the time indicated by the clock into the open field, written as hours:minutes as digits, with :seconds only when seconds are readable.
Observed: 6:32
